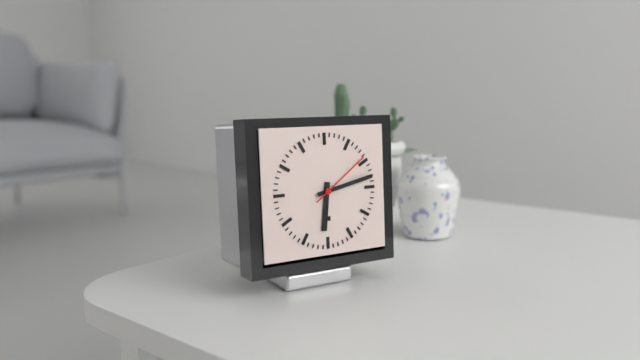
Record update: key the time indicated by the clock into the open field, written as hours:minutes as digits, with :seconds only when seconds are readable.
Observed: 6:13:09
